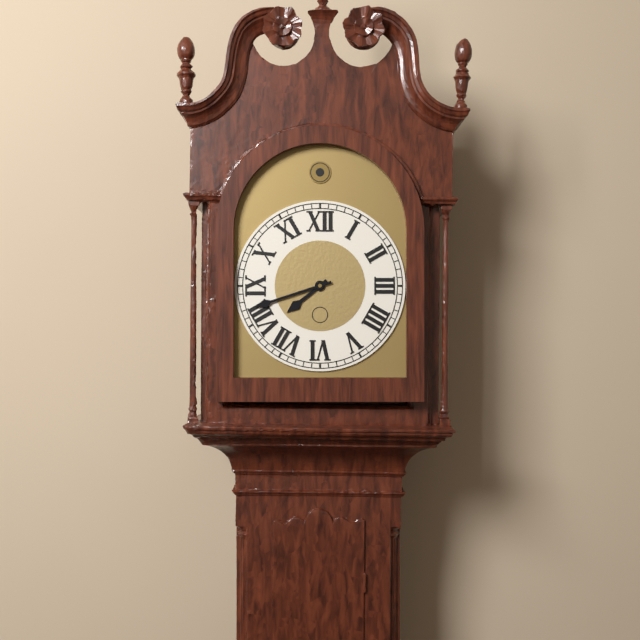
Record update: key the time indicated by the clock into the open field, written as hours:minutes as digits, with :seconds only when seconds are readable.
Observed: 7:42
